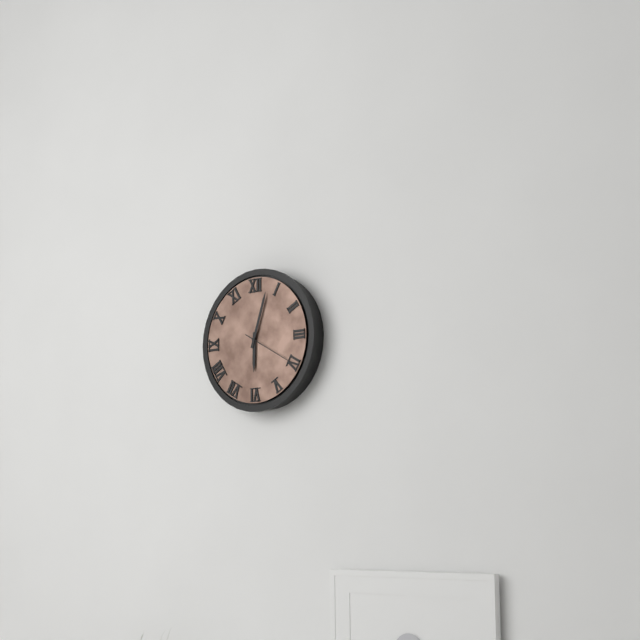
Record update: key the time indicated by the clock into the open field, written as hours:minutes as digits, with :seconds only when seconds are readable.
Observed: 6:03:20
